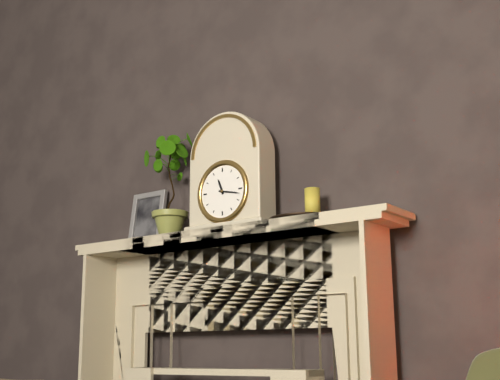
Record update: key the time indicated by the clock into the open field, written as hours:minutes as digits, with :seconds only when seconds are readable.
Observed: 11:17
